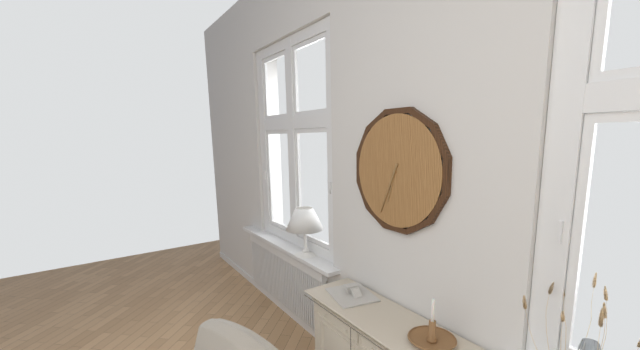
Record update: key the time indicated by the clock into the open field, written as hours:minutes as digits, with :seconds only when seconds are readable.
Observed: 6:34
